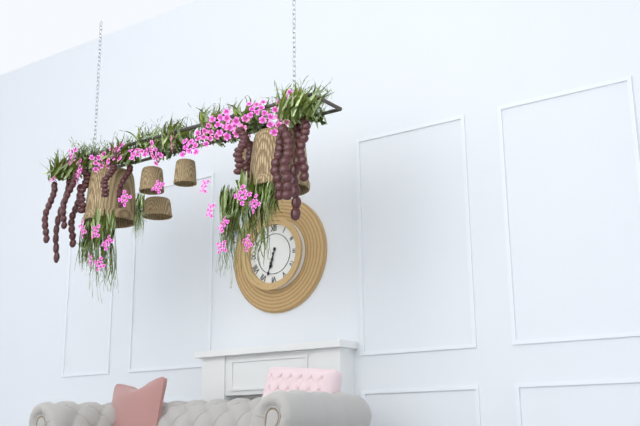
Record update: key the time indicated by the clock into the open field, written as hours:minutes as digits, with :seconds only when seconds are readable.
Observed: 6:33
